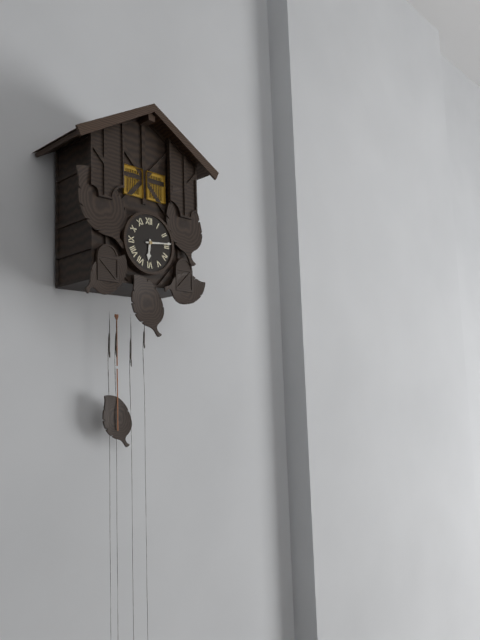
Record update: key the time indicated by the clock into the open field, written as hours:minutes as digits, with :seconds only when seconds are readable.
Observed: 6:14
